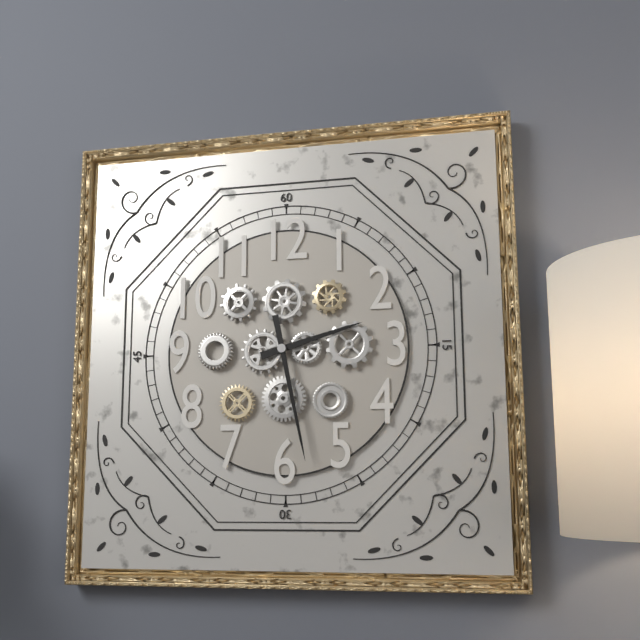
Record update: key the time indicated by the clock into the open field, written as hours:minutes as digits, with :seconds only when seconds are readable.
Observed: 2:28
